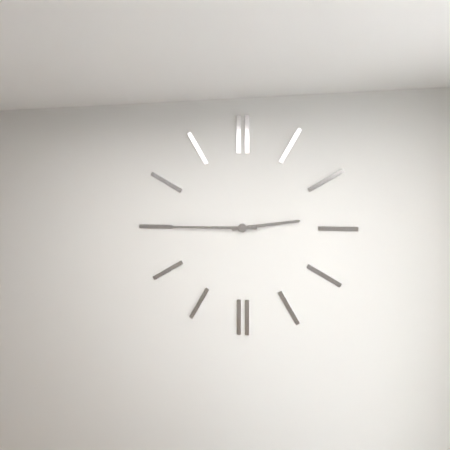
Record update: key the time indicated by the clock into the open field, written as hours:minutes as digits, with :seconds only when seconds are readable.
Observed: 2:45
